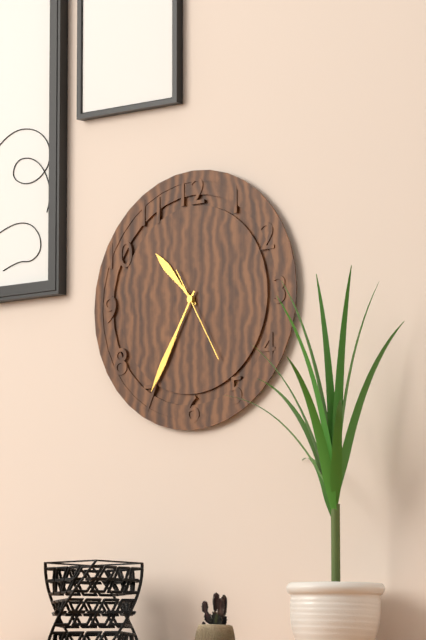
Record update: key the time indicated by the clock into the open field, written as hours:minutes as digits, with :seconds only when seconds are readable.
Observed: 10:35:25
